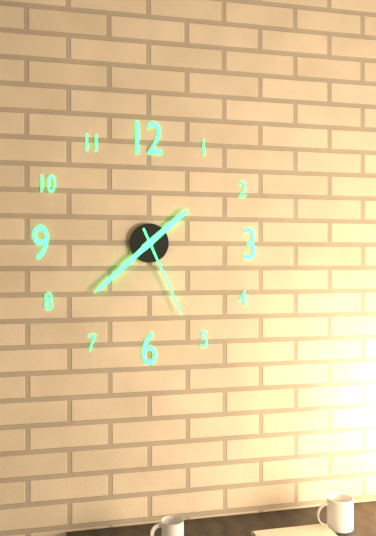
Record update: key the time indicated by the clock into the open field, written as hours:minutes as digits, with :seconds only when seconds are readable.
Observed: 1:38:26
